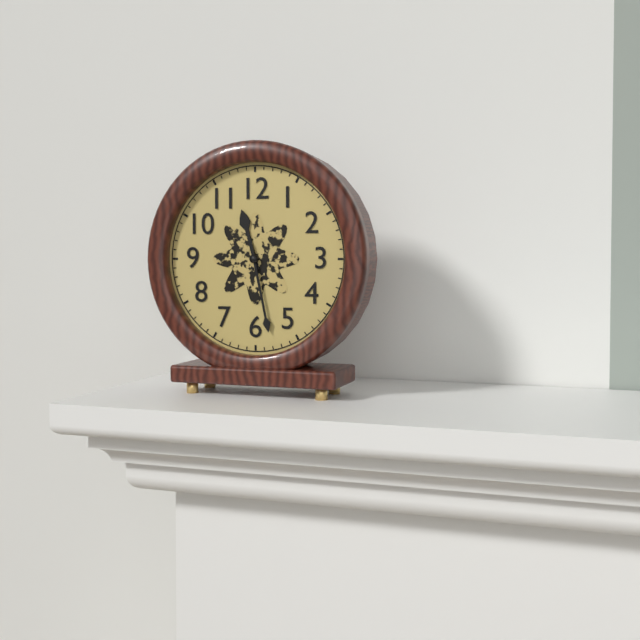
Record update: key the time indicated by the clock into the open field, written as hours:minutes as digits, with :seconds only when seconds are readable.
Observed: 11:28
